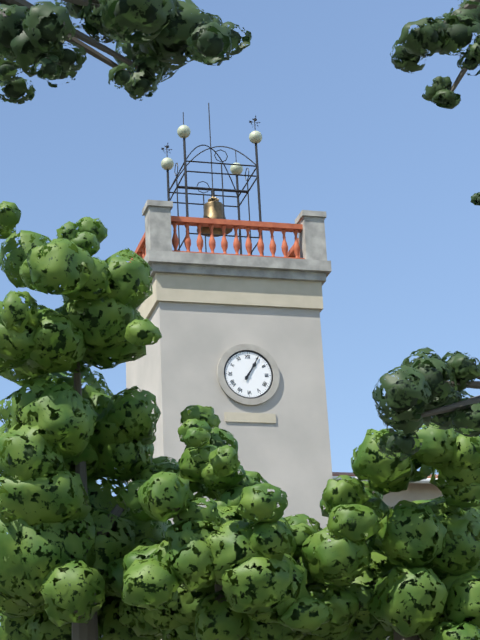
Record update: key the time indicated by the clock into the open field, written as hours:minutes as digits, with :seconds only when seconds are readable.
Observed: 1:05
